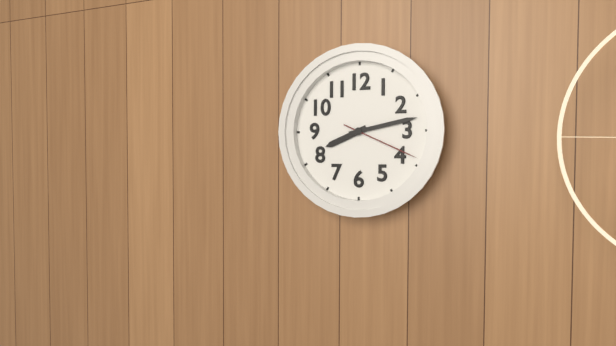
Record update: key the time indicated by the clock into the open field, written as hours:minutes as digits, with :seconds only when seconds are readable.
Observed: 8:13:19
